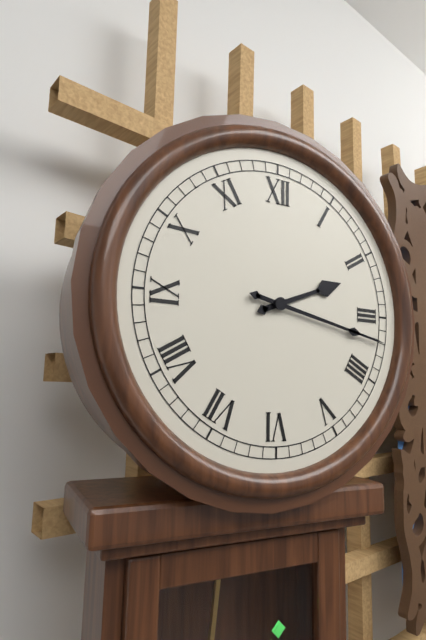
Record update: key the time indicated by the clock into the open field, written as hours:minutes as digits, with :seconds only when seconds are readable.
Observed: 2:17
